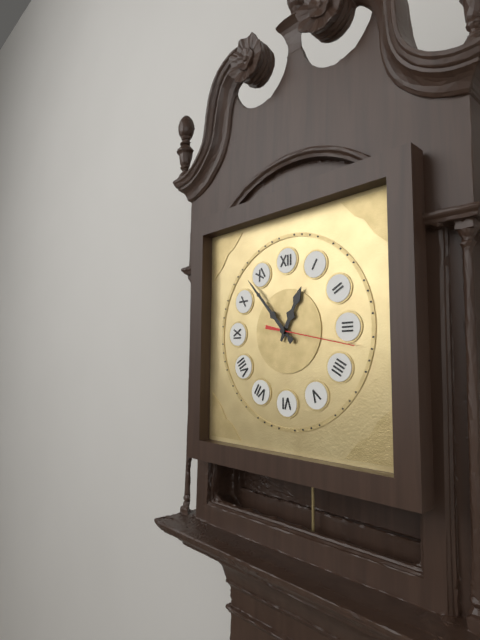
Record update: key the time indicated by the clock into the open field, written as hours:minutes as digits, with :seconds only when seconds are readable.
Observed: 12:53:17
